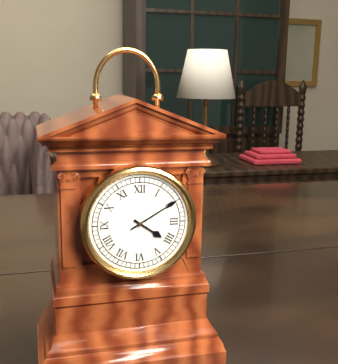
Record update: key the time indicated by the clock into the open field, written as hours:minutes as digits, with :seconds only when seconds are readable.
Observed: 4:10
